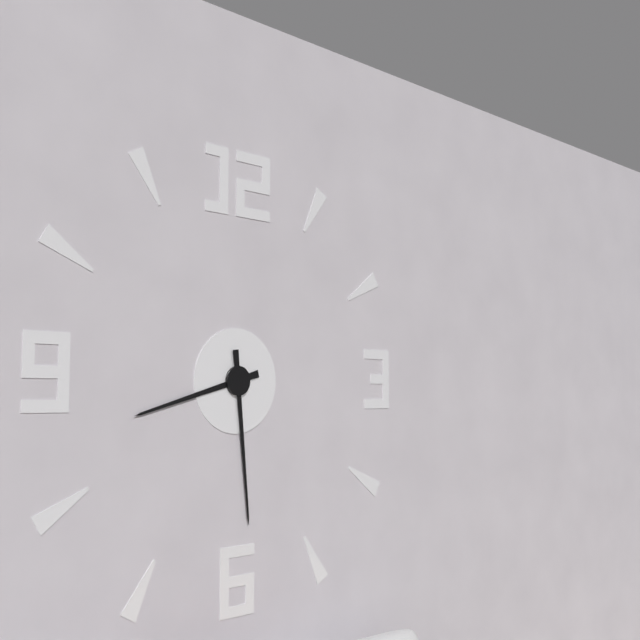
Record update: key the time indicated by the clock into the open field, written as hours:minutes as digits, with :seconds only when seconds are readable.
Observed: 8:29
